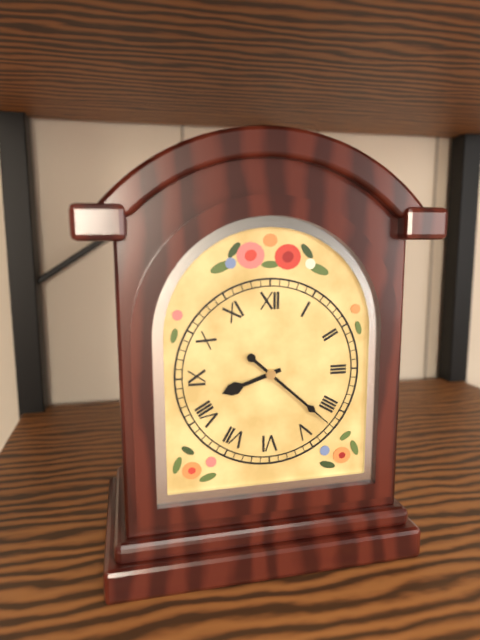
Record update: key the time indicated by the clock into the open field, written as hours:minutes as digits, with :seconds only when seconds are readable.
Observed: 8:22
